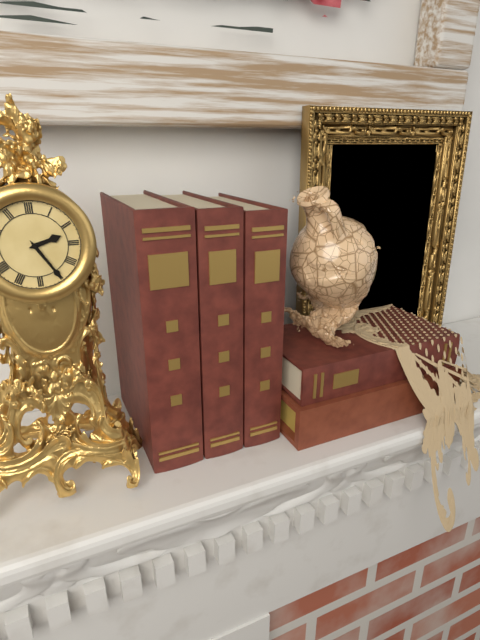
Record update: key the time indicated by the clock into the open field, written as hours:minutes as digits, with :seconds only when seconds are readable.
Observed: 2:25
